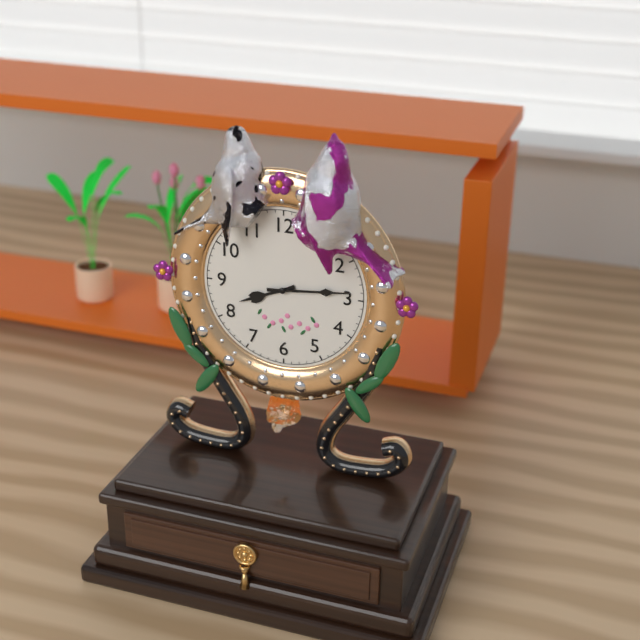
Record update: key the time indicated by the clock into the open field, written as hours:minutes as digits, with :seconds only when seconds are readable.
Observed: 8:14
